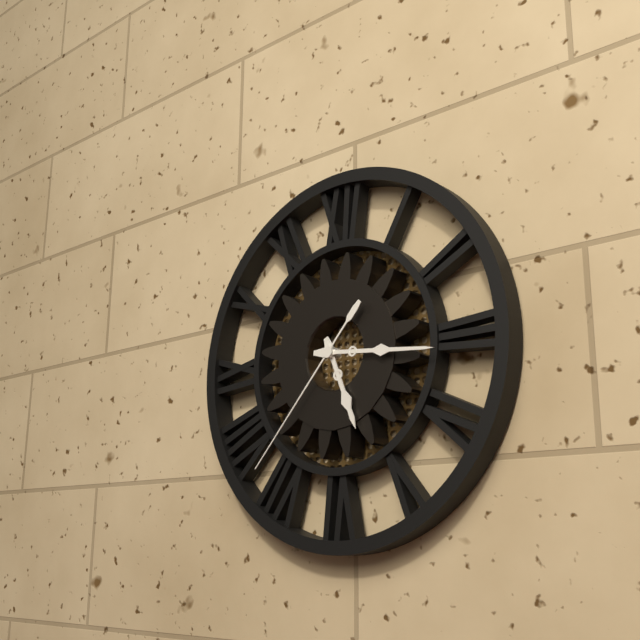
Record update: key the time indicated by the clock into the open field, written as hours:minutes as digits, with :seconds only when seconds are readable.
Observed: 5:16:37
